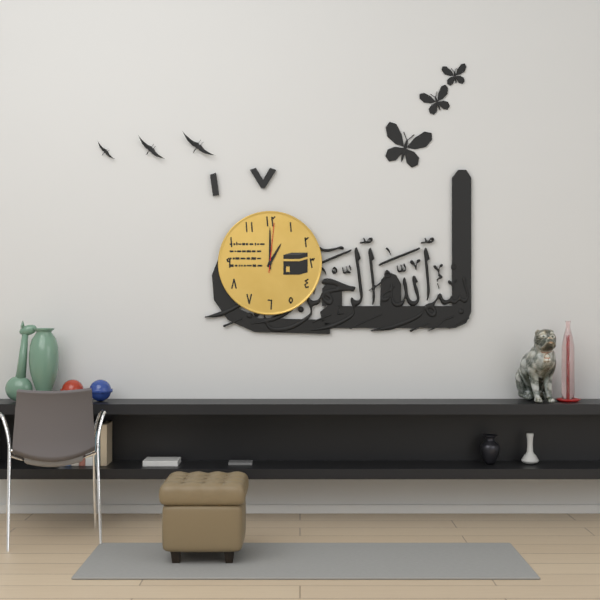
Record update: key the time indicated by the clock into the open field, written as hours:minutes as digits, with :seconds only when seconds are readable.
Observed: 1:00:01
